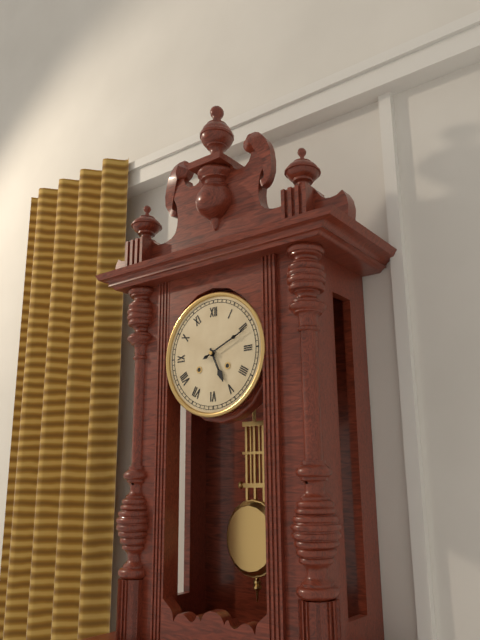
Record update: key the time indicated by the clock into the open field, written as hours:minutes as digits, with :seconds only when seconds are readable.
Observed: 5:11
